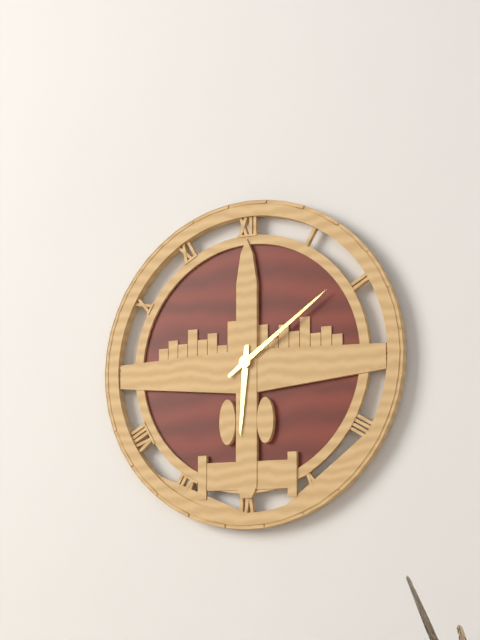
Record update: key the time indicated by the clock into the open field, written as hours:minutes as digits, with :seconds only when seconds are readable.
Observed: 6:09
